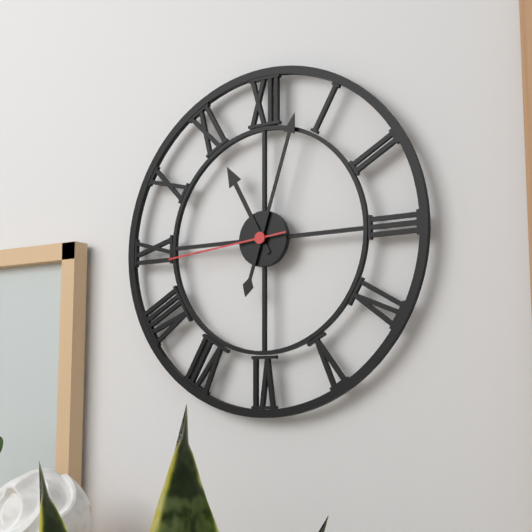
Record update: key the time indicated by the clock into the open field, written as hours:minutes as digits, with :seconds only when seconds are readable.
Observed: 11:03:44
